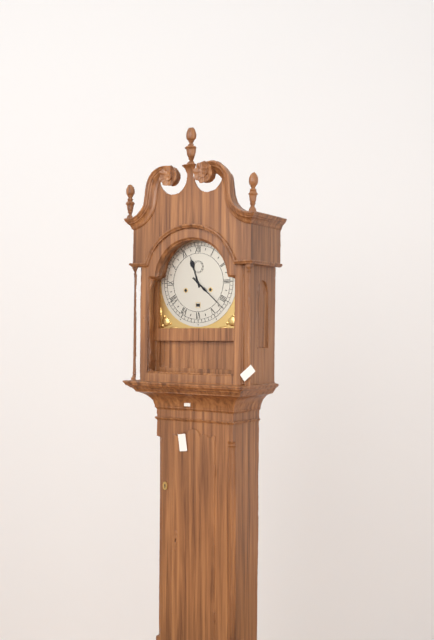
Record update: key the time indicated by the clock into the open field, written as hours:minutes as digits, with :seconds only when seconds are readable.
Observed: 11:22
